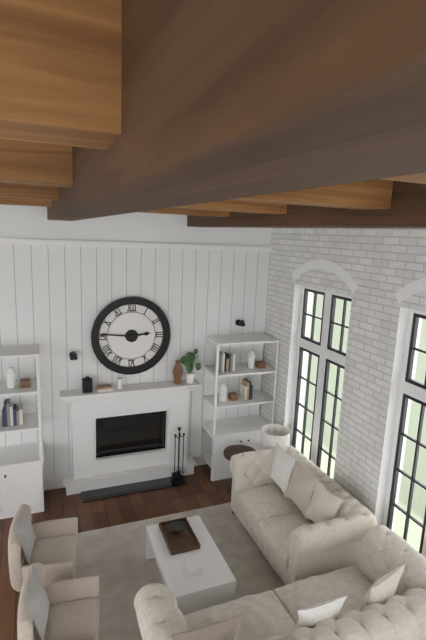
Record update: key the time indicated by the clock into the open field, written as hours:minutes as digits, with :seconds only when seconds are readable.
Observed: 2:46
